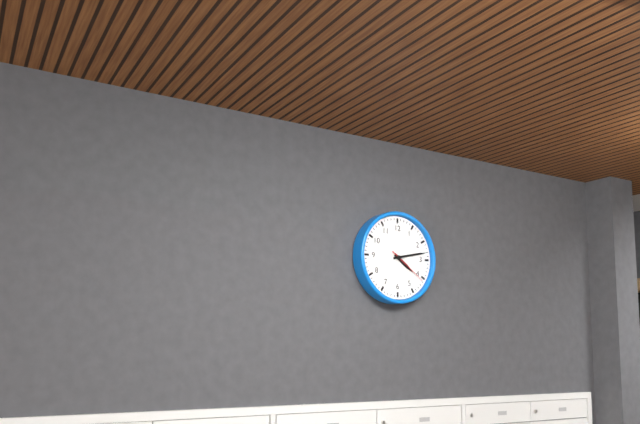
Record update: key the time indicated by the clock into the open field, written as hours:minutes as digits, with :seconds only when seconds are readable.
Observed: 4:13
